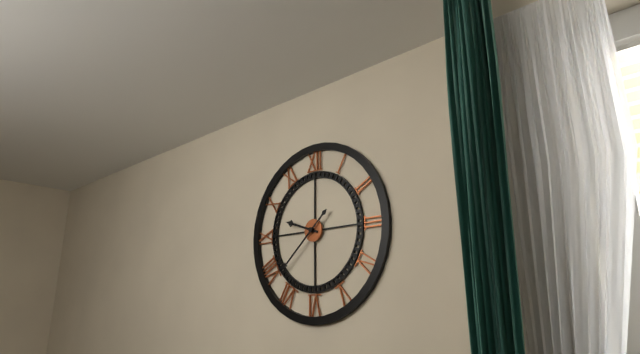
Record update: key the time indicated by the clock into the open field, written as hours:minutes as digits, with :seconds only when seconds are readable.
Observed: 9:38
